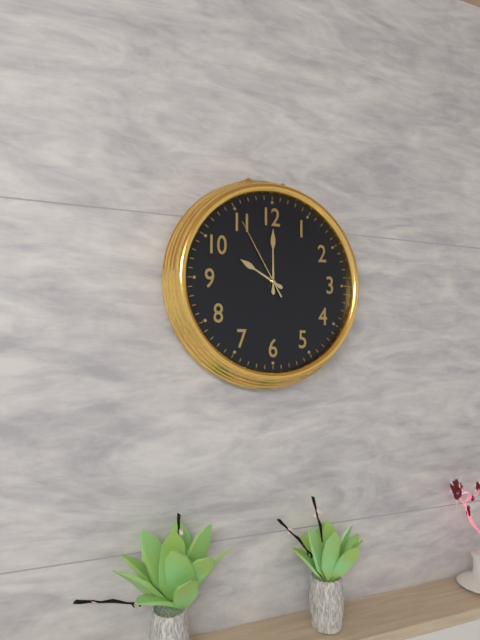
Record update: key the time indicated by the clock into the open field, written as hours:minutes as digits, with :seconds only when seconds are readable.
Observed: 10:00:55
